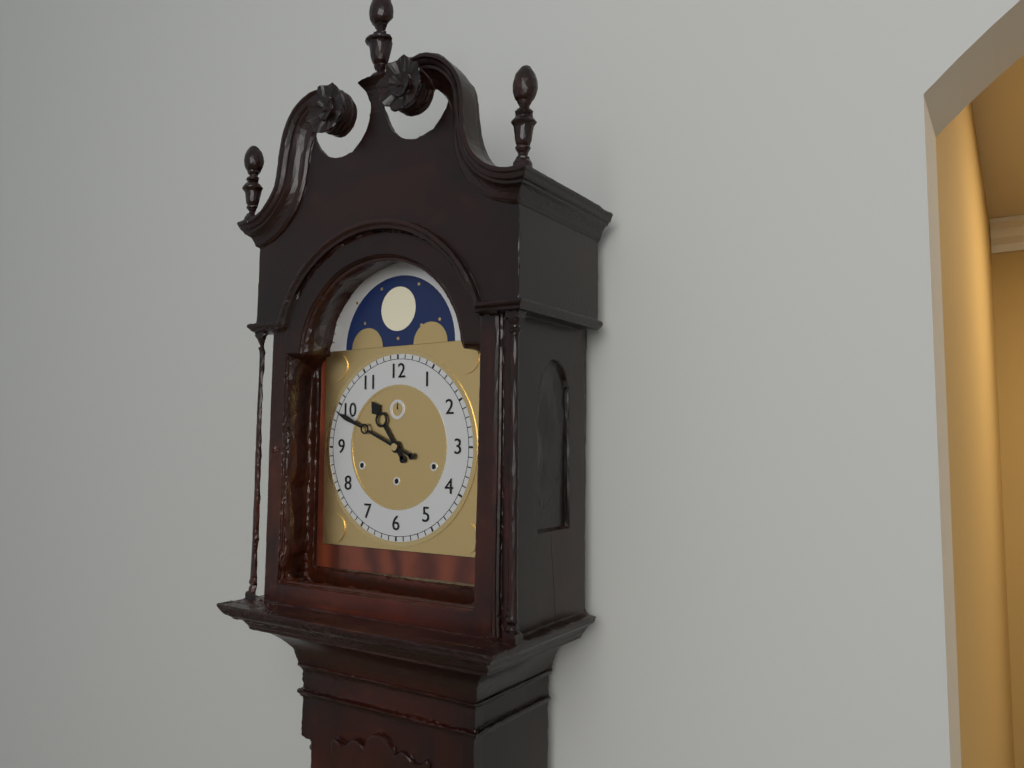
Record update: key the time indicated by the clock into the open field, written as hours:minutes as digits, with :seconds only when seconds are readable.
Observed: 10:49
